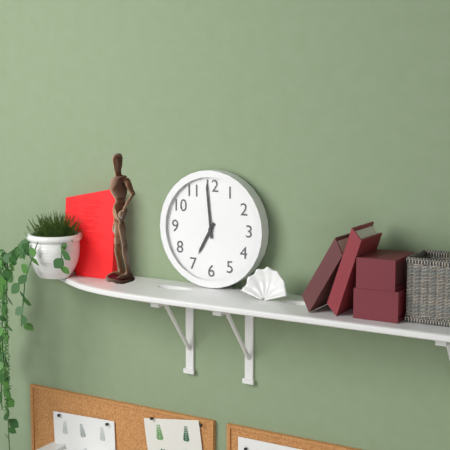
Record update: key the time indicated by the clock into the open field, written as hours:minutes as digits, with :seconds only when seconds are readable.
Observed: 6:59
